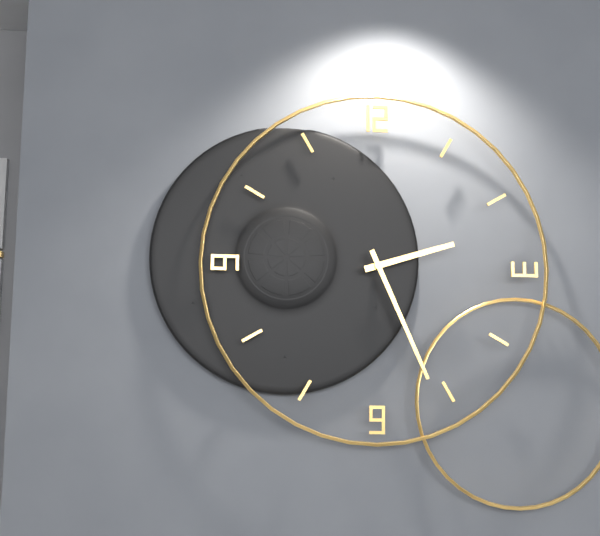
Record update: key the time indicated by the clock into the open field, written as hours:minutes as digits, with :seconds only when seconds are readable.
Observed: 2:26
